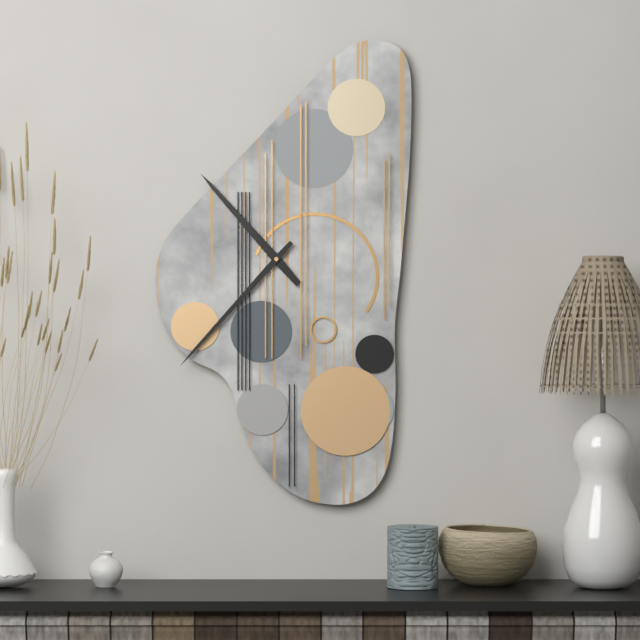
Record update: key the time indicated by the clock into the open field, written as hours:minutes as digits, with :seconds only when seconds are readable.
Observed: 10:37
